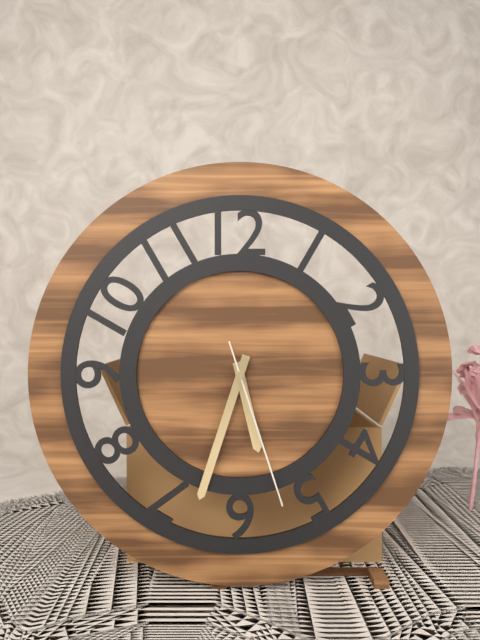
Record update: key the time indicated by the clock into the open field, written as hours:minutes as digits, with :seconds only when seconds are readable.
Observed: 5:33:27
